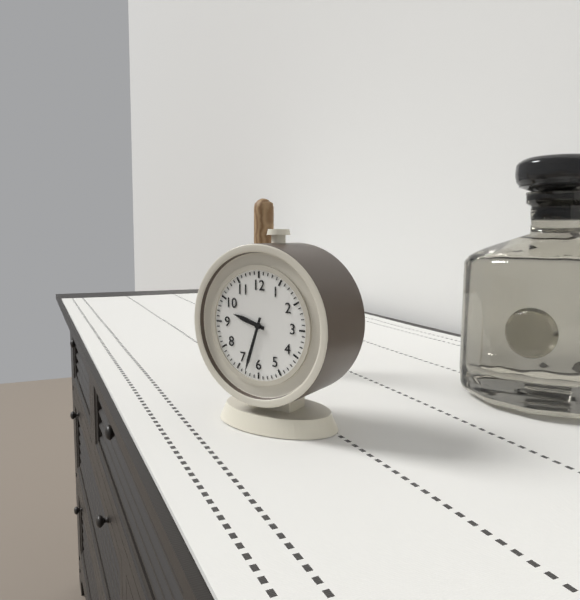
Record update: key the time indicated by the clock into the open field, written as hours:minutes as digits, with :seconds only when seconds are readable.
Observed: 9:33
